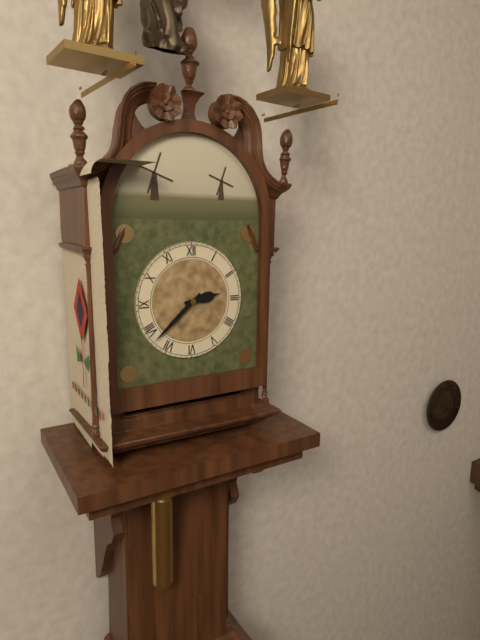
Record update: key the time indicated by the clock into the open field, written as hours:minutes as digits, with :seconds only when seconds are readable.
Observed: 2:38
